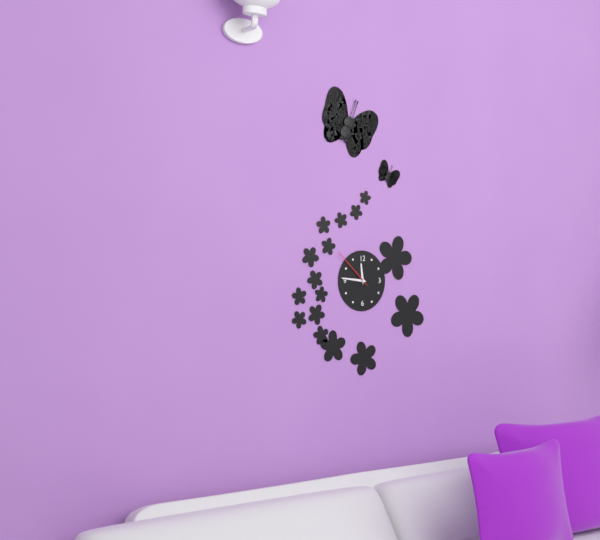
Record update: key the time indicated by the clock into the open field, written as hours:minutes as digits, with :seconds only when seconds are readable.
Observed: 11:46
